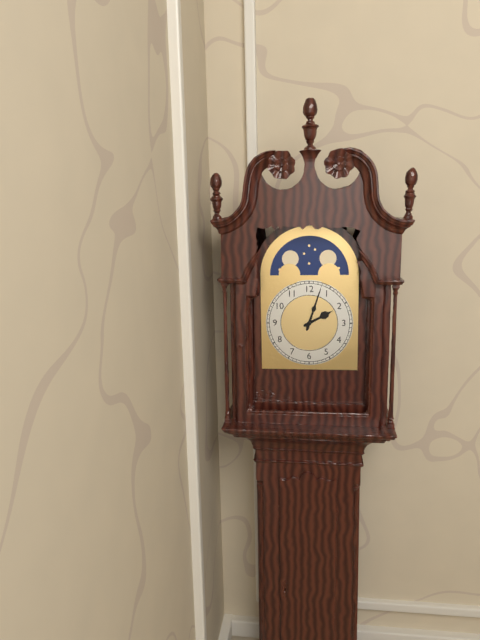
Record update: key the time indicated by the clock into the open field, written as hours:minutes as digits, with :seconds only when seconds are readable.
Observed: 2:03
